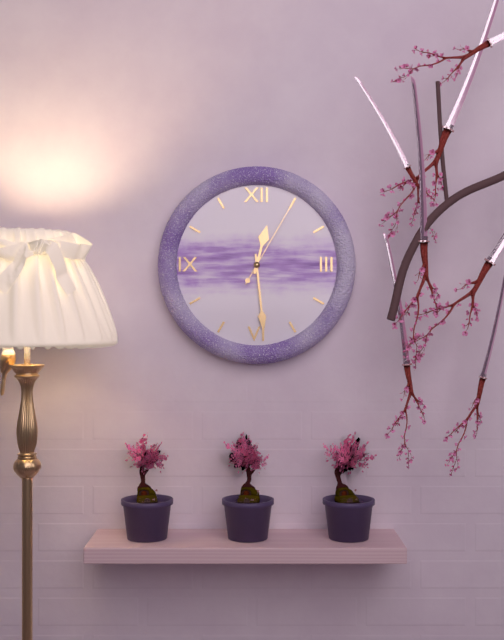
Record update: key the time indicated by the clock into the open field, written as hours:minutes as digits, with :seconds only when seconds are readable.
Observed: 12:29:05
